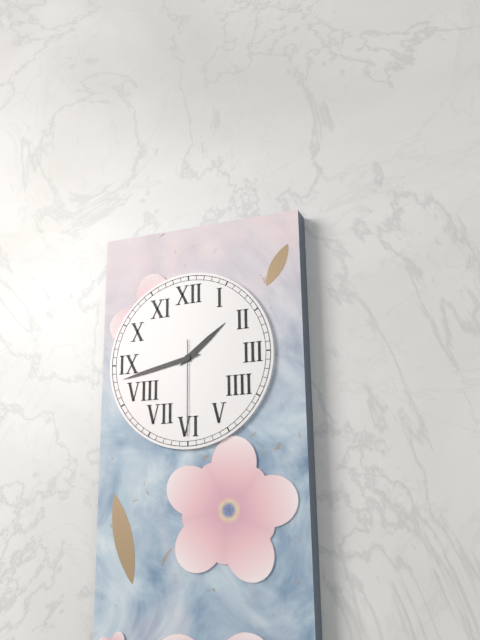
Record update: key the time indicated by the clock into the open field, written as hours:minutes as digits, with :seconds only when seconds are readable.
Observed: 1:43:30
